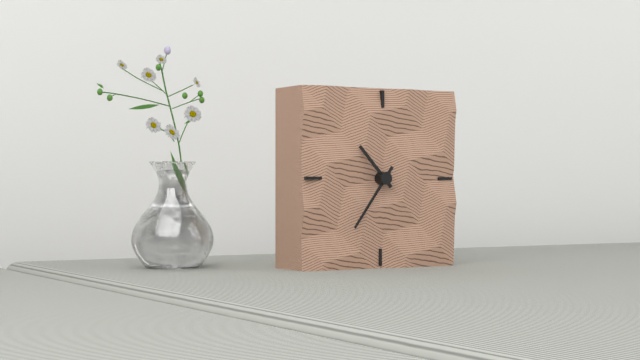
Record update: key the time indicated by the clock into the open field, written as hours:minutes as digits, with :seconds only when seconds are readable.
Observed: 10:36
